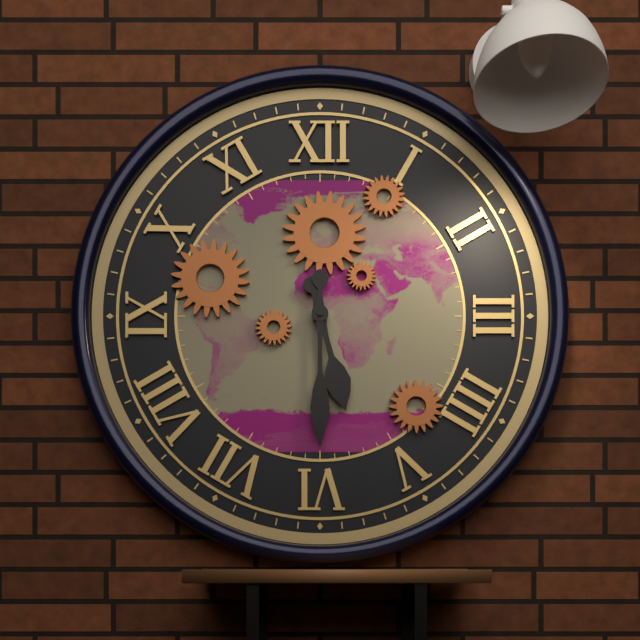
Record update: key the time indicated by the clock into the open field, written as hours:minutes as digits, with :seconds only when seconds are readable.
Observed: 5:30
